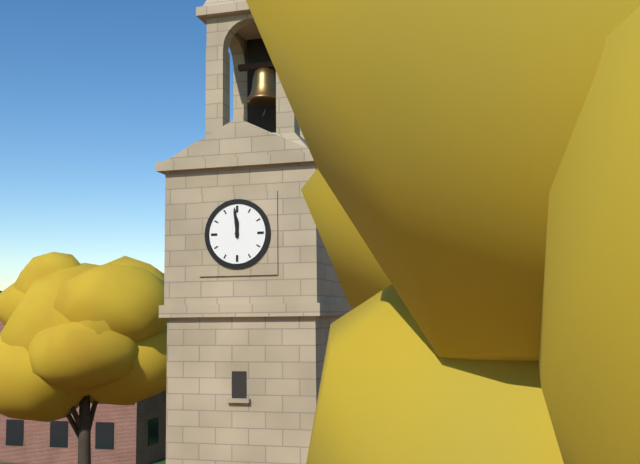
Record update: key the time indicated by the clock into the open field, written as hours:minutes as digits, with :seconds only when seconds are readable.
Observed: 11:59
